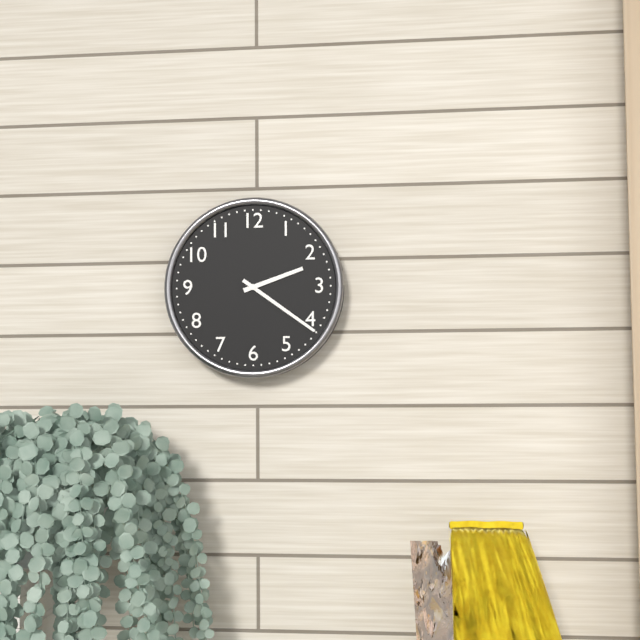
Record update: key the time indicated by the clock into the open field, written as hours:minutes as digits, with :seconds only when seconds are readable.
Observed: 2:21
